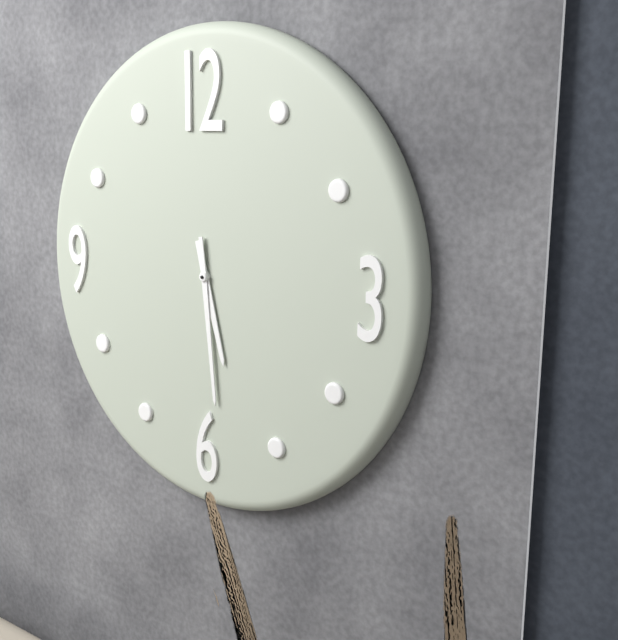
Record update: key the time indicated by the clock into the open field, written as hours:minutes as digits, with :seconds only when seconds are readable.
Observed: 5:29
